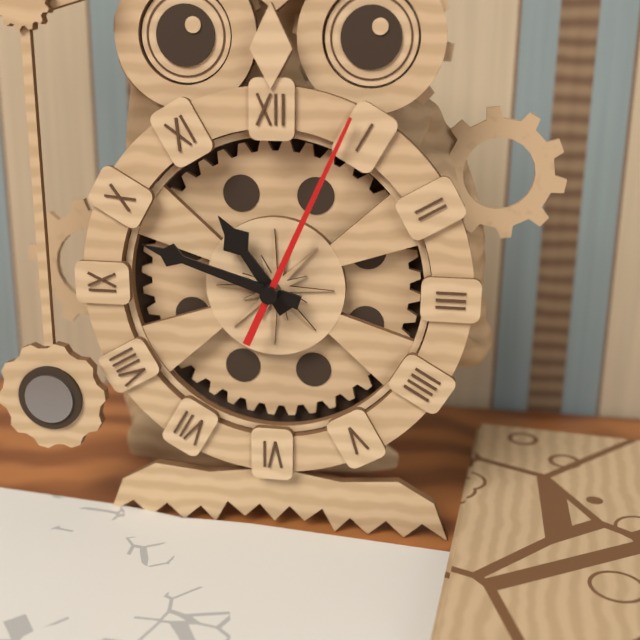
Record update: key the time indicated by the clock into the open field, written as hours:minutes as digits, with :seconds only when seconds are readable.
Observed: 10:48:04
